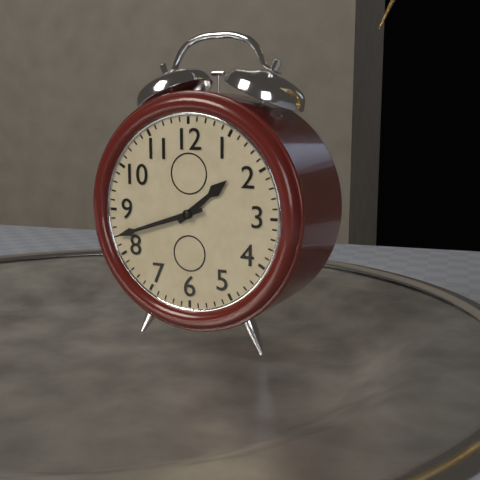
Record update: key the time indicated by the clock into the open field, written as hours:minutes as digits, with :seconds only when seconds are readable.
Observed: 1:42
